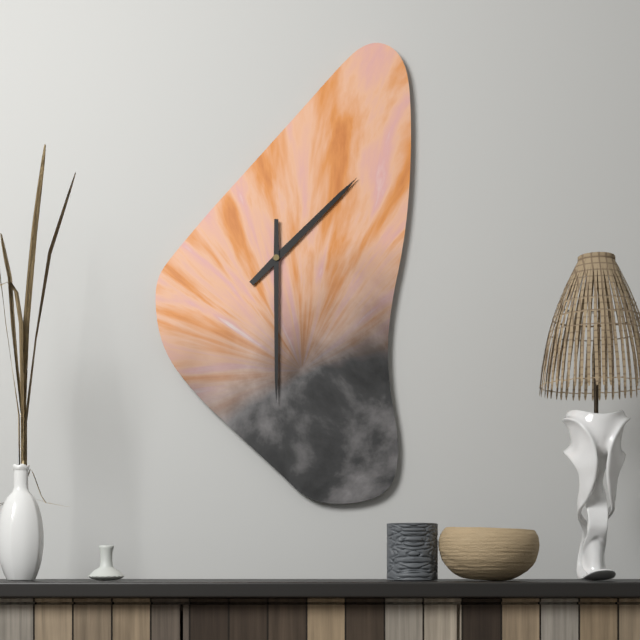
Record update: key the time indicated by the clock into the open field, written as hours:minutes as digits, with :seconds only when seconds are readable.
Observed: 1:30
